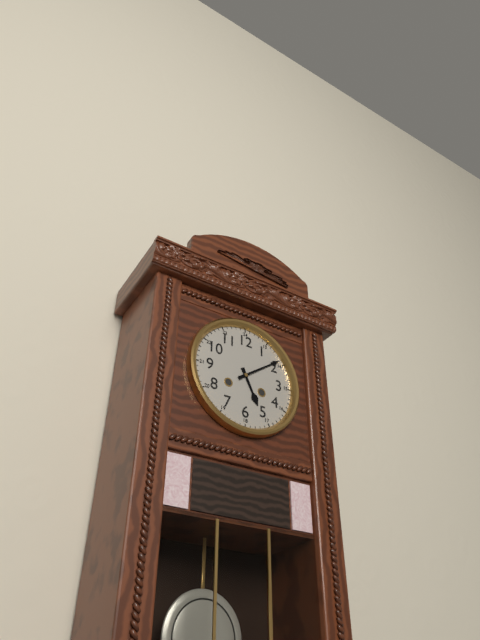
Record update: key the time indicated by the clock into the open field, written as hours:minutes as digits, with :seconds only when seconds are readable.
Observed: 5:09
